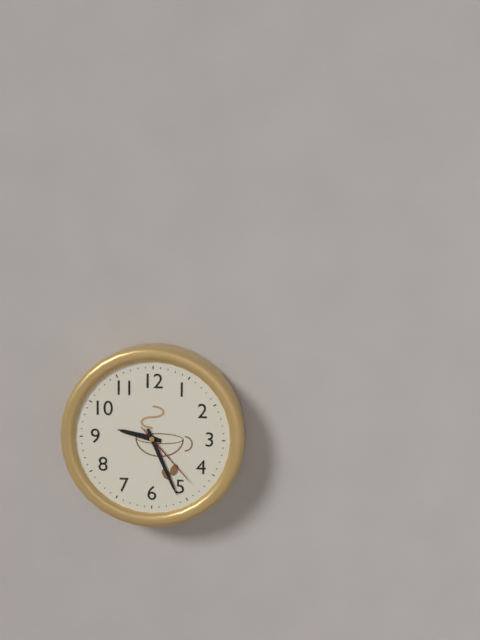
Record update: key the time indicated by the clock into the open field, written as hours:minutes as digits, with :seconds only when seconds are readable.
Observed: 9:26:23
